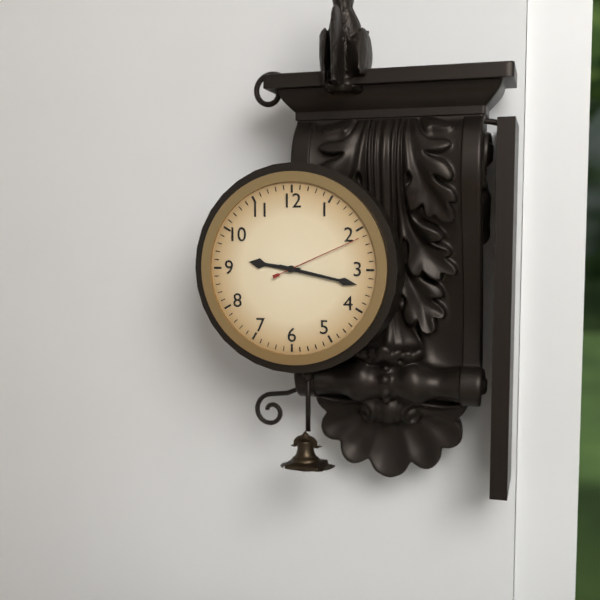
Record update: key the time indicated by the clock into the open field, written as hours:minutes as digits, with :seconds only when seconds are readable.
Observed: 9:17:11
